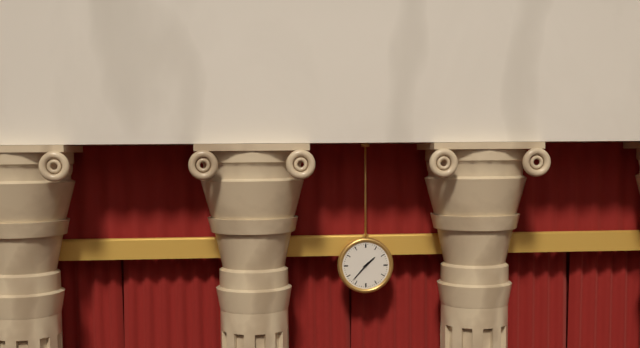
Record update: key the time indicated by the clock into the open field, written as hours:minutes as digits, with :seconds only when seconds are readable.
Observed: 1:37
